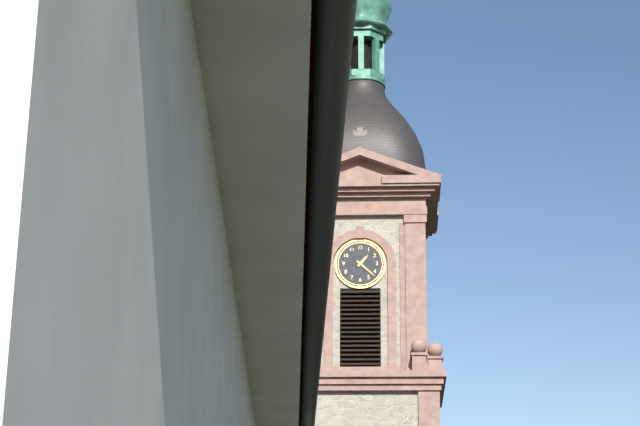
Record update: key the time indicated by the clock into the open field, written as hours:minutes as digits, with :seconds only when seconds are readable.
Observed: 1:22
